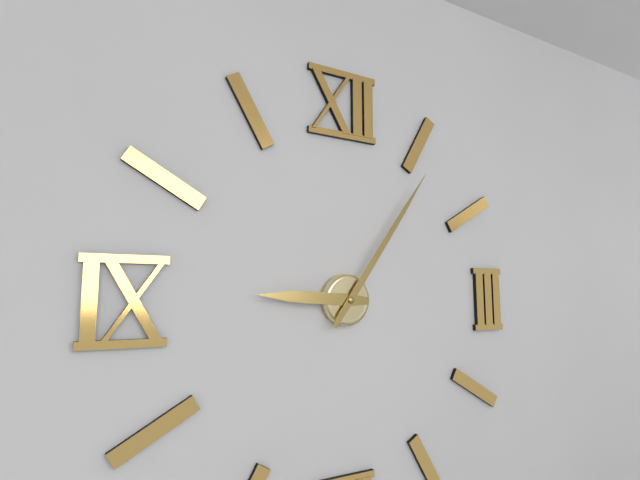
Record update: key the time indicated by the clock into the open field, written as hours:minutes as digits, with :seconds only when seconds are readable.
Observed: 9:06
